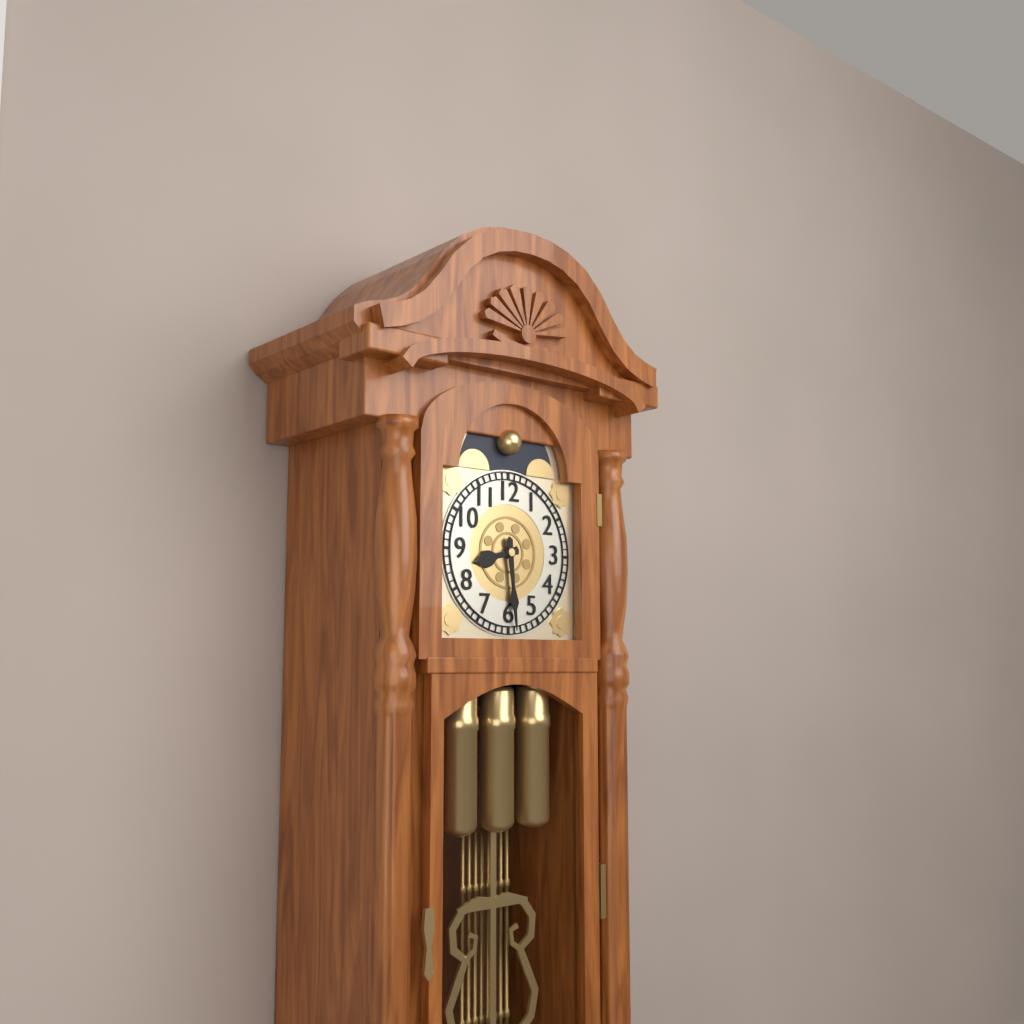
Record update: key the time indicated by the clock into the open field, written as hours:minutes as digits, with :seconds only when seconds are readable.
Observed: 8:29
